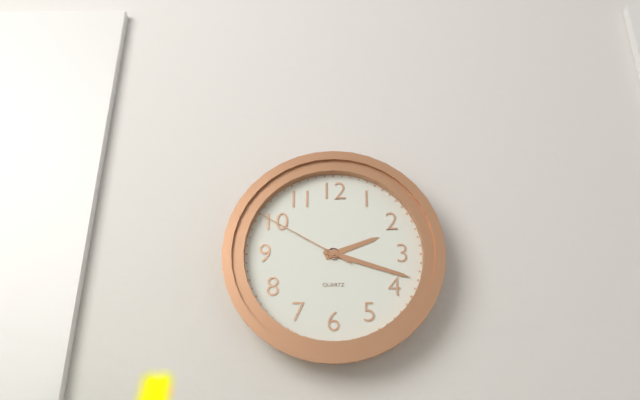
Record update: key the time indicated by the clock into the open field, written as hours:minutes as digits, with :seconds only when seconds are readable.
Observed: 2:18:50
